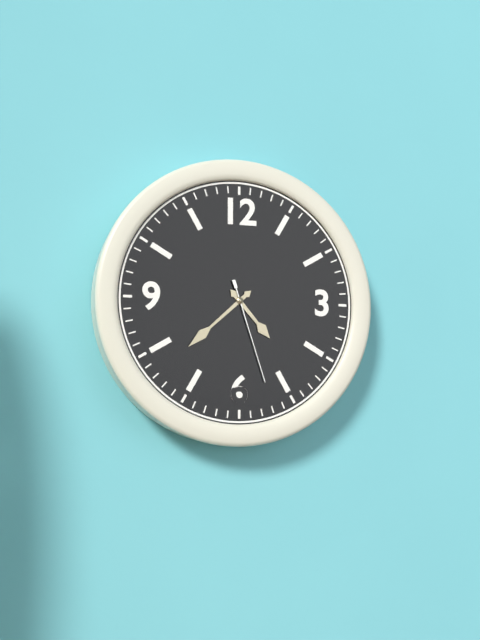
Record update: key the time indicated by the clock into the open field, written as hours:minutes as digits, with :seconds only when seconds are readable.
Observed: 4:38:27
